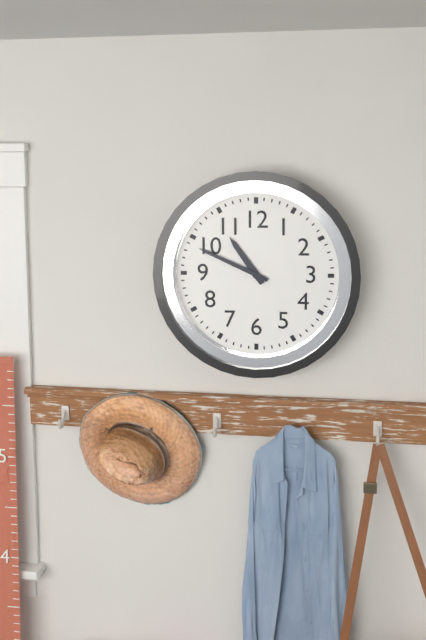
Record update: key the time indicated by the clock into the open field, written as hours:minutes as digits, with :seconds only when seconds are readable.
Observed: 10:49
